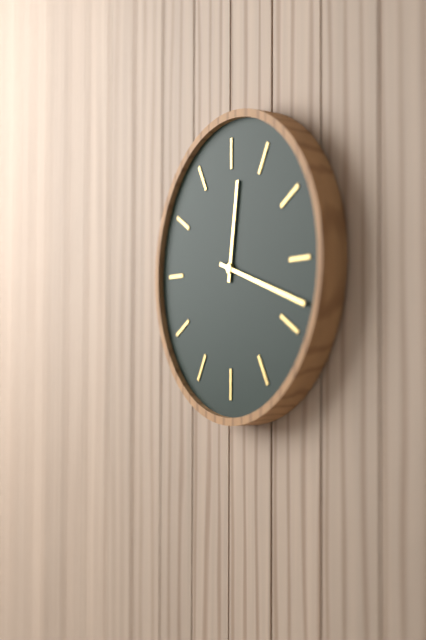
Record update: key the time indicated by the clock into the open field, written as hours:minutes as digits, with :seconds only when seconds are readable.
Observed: 12:18
